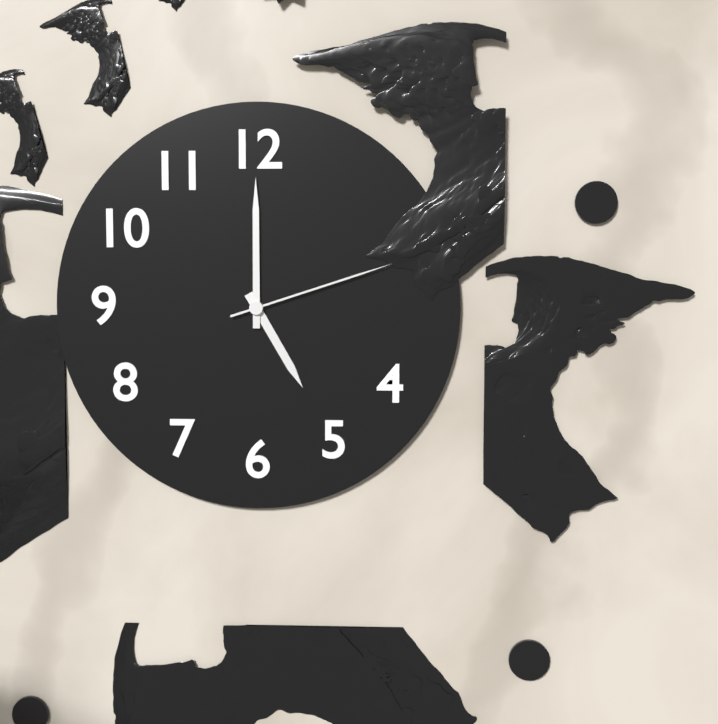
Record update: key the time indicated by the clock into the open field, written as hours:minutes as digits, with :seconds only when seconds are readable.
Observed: 5:00:12
